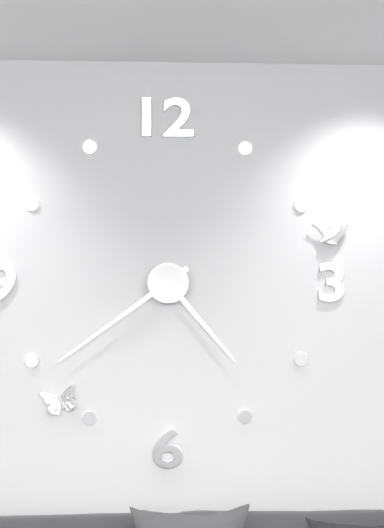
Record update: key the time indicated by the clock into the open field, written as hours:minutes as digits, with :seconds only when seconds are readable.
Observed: 4:39
